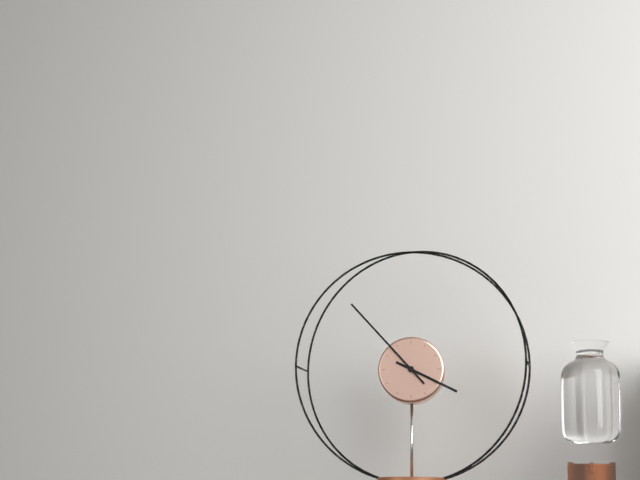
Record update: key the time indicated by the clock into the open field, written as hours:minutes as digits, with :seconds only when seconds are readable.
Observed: 3:53
